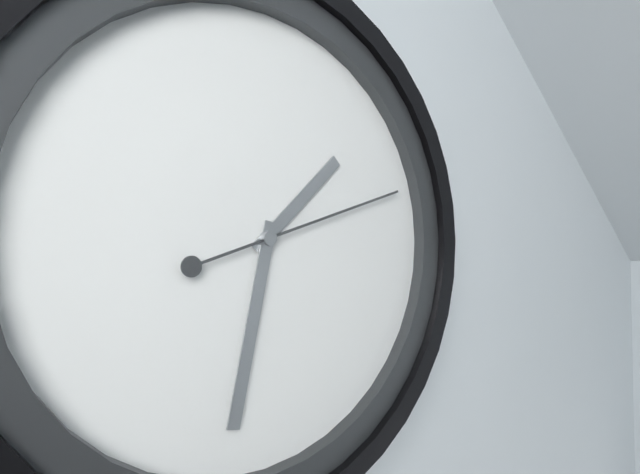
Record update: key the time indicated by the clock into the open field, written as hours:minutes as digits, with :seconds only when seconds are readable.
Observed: 1:32:12
